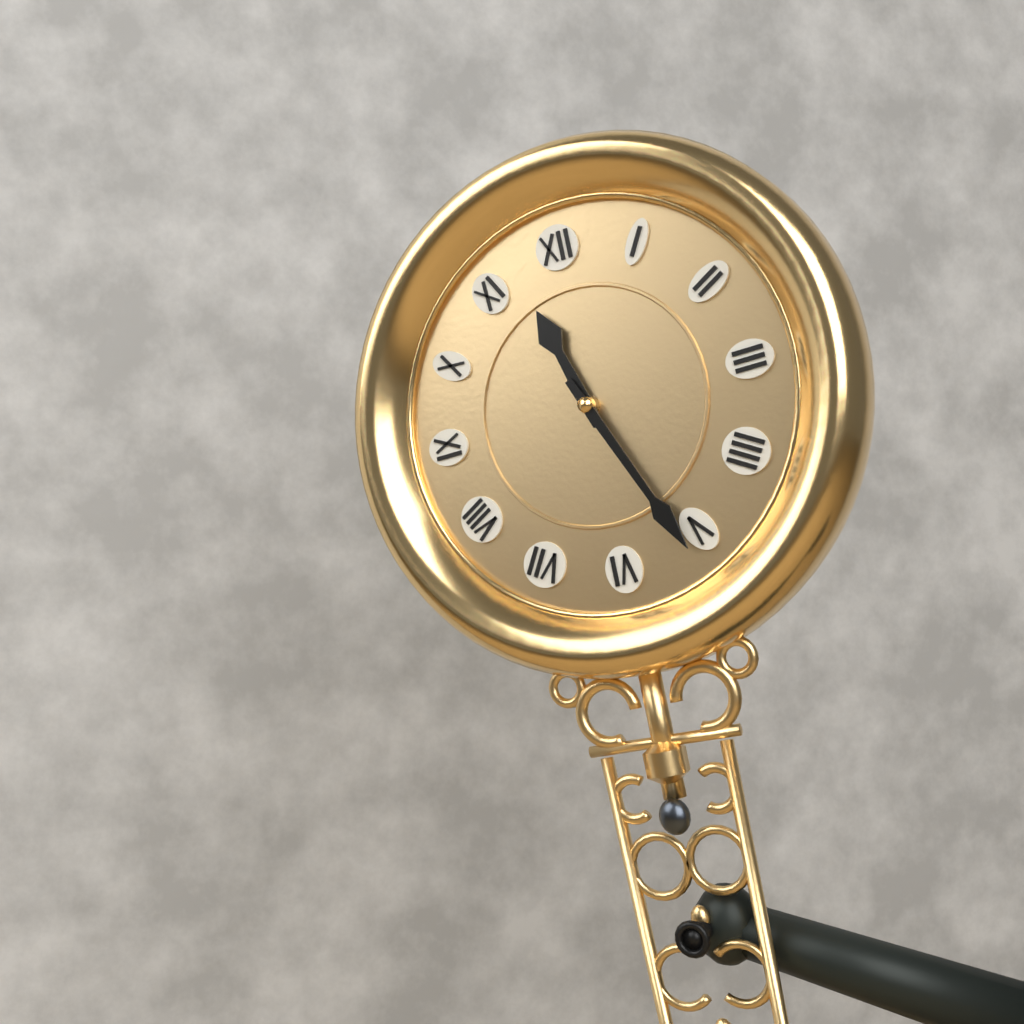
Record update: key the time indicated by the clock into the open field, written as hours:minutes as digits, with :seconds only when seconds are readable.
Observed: 11:26
